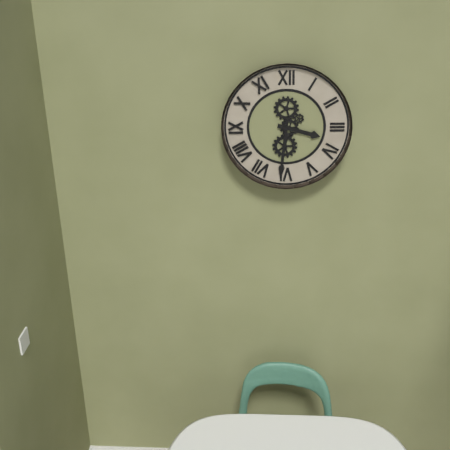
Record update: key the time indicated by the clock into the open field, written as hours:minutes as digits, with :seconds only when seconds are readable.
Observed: 3:31
